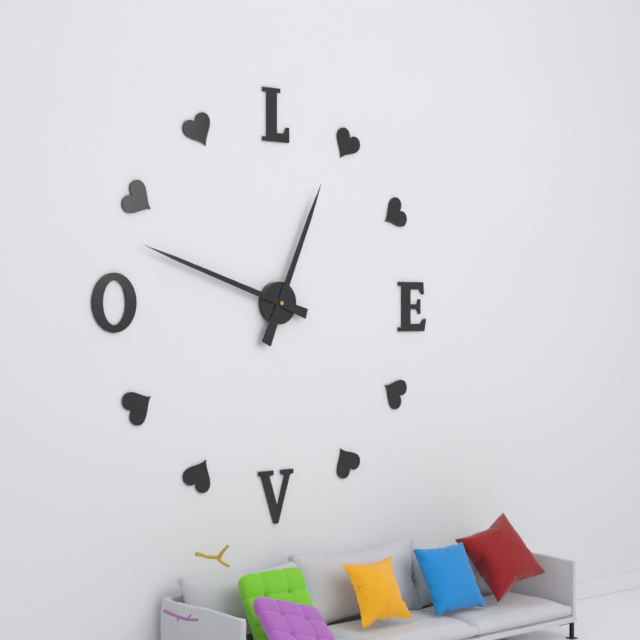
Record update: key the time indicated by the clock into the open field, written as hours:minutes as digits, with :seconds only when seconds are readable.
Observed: 12:48
